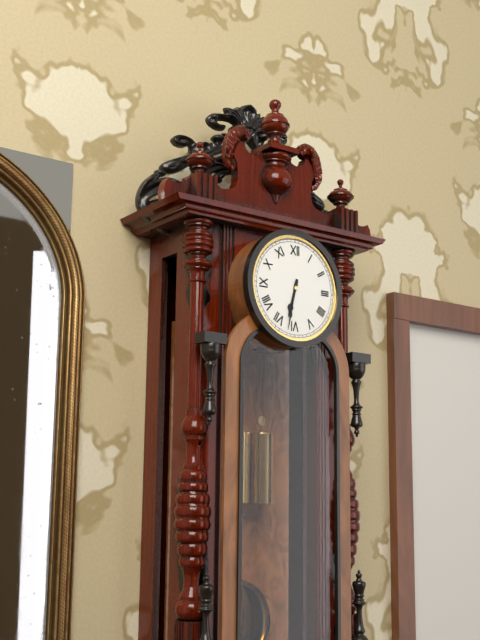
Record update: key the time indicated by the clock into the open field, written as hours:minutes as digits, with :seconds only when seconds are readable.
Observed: 6:32
